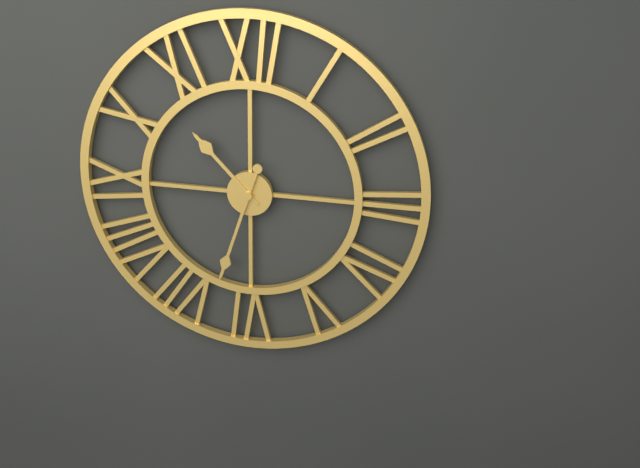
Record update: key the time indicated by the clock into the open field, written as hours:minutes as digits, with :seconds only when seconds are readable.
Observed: 10:33
